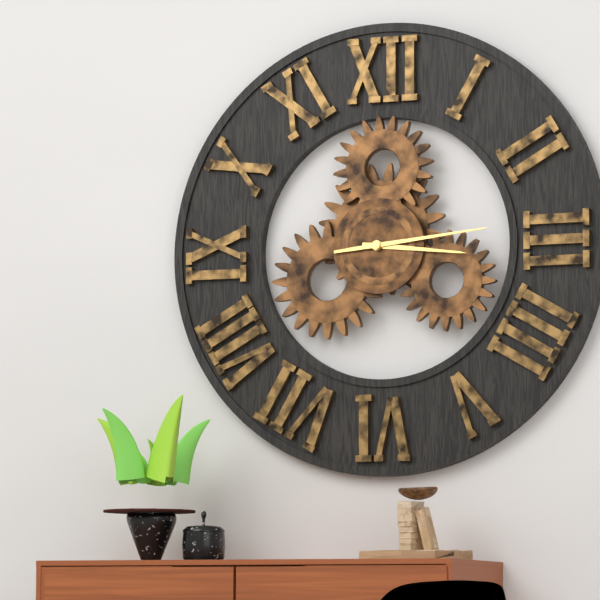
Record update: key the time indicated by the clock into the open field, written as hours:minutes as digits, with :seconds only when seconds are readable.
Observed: 3:14
